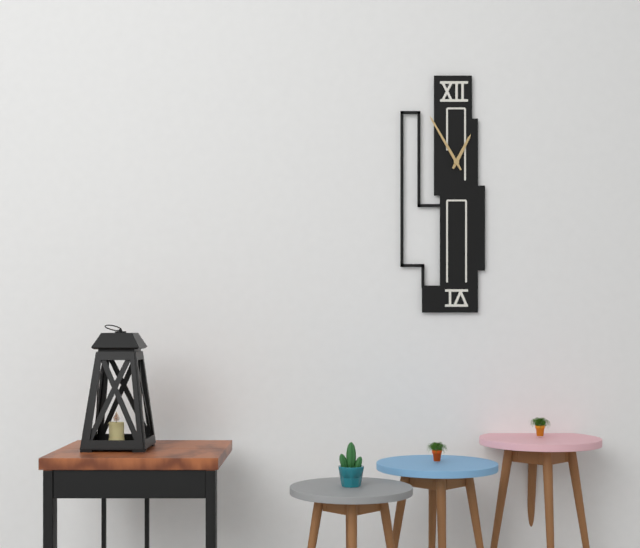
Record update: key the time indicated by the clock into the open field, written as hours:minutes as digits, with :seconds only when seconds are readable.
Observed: 12:55
